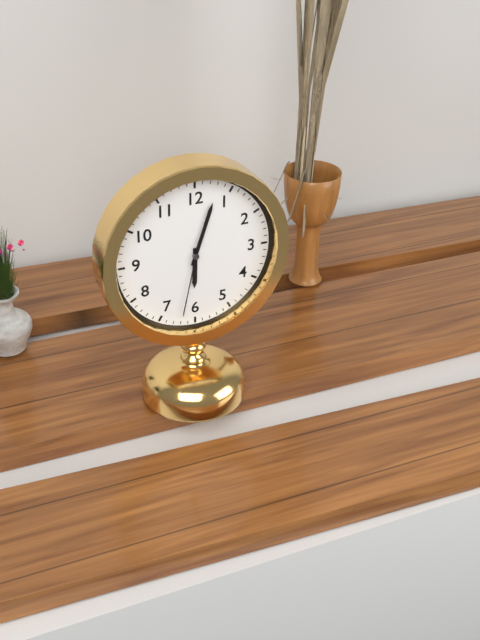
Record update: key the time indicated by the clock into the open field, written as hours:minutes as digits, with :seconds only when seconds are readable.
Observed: 6:03:32
